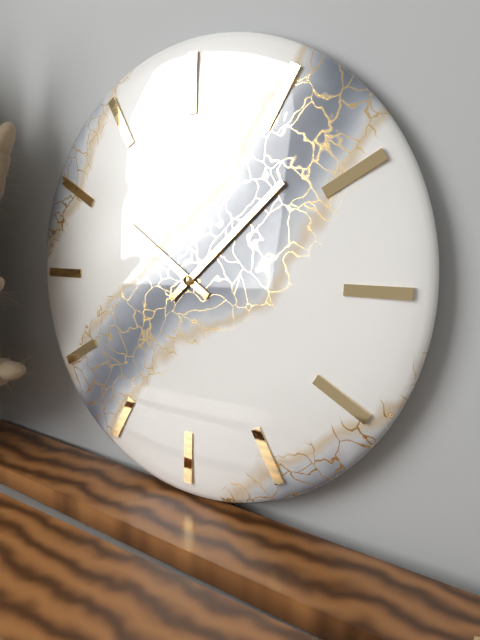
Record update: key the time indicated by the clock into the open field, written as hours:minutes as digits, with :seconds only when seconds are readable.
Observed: 10:08
